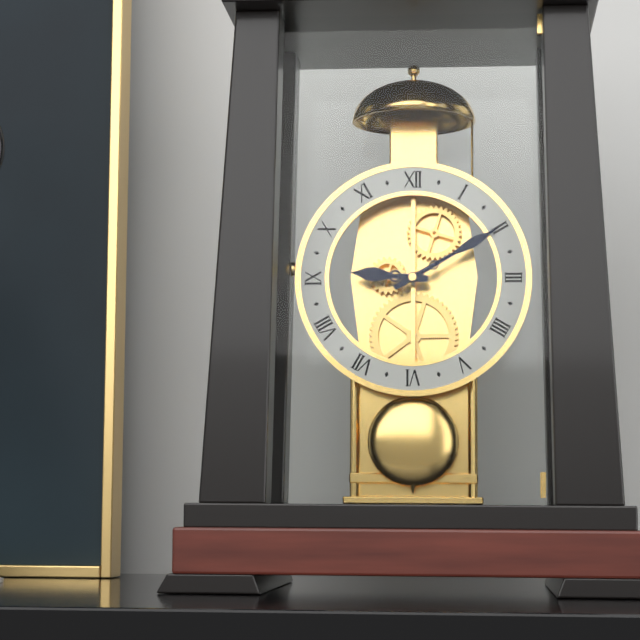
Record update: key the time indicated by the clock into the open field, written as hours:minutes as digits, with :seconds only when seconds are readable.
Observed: 9:10
